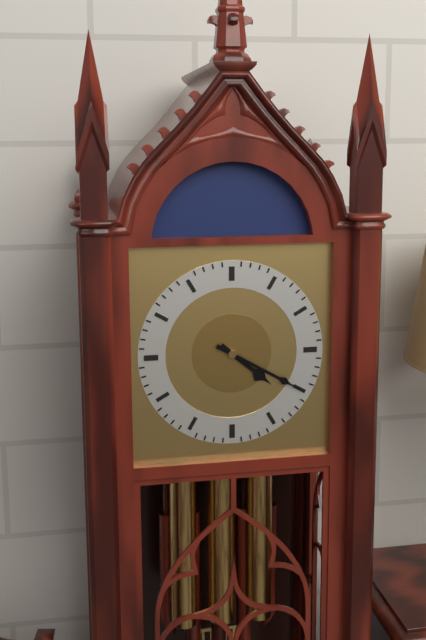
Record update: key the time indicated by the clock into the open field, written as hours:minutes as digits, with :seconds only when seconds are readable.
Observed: 4:20
